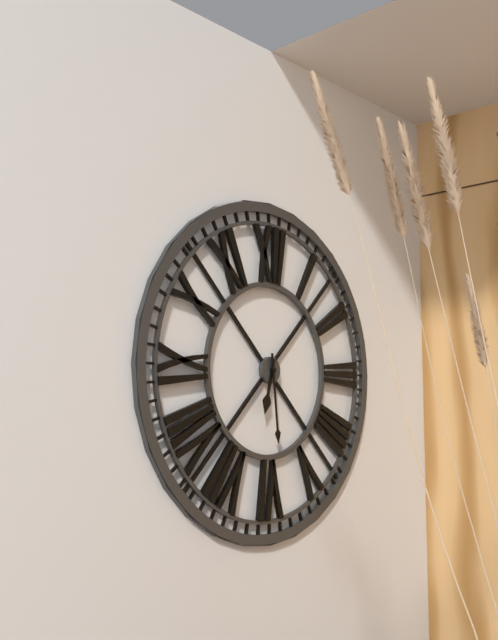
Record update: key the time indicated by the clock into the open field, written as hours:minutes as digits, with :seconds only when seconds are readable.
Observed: 6:29
